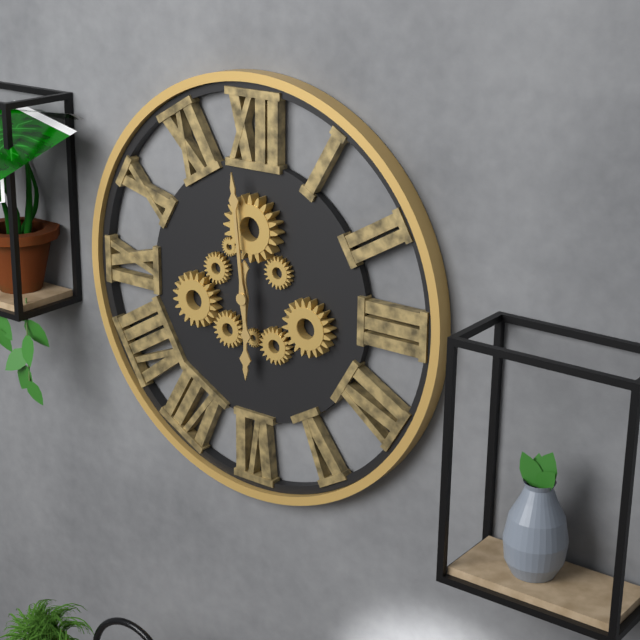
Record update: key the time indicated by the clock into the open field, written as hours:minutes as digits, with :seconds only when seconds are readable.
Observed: 5:59
